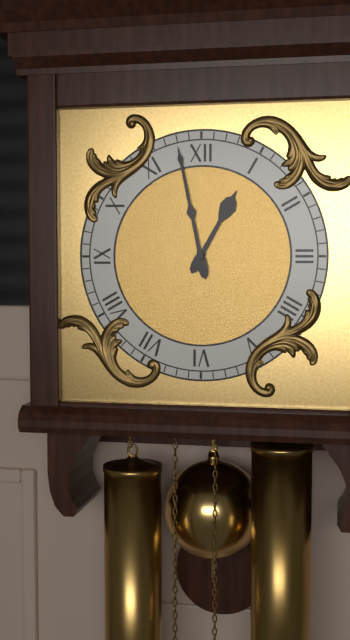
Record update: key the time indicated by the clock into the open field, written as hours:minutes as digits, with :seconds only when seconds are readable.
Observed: 12:58
